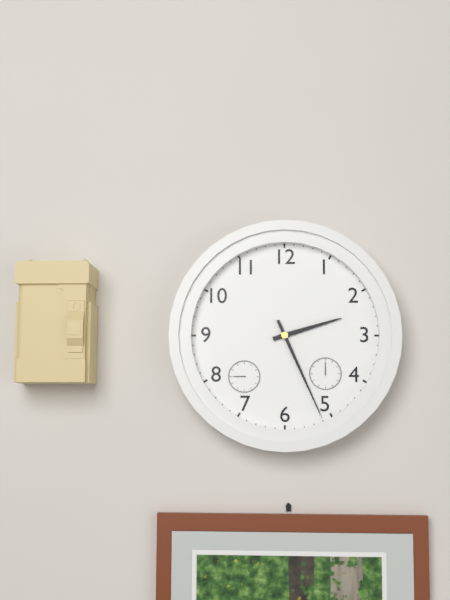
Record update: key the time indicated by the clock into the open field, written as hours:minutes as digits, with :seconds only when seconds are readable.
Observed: 2:26
